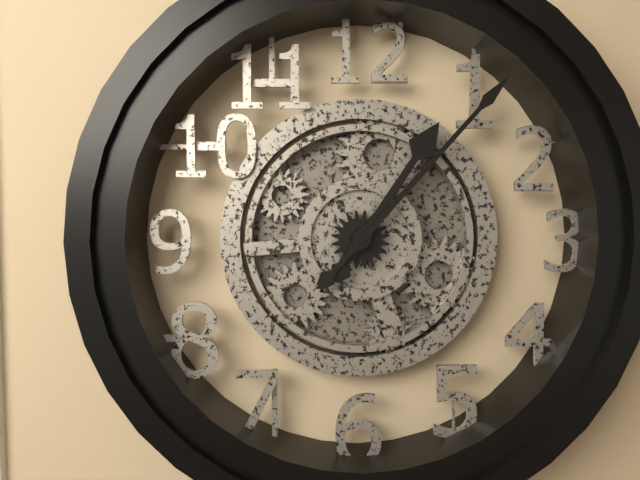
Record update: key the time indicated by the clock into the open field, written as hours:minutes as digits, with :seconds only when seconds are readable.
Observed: 1:07
